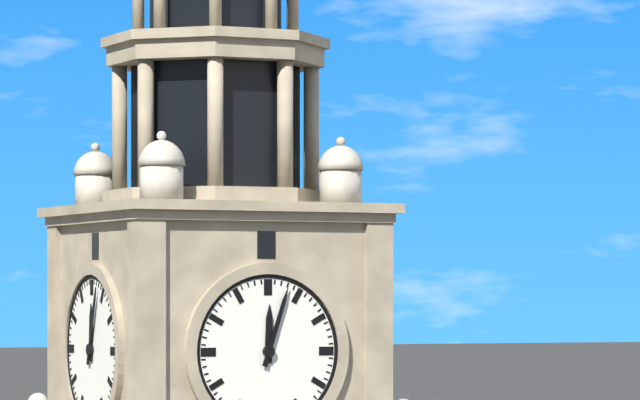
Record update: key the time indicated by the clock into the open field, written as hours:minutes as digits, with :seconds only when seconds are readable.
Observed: 12:03
